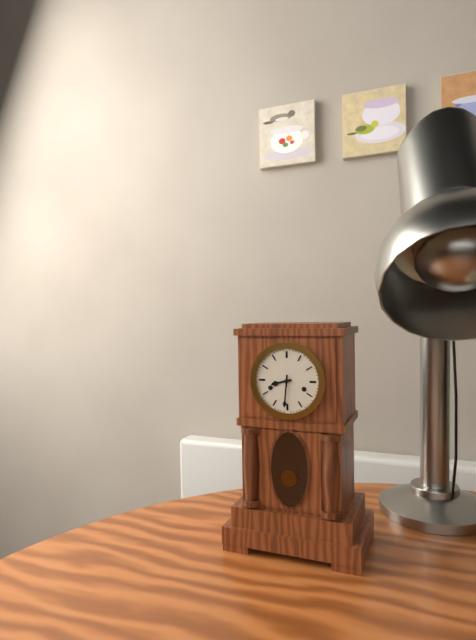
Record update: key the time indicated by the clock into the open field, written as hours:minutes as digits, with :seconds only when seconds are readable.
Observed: 8:31
